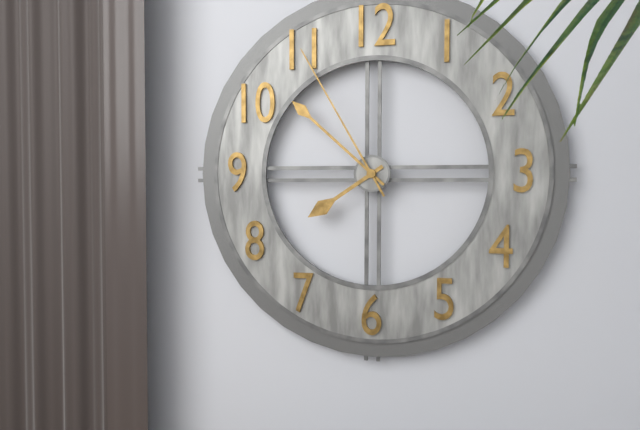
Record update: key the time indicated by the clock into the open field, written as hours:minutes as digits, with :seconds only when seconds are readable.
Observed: 7:52:55
